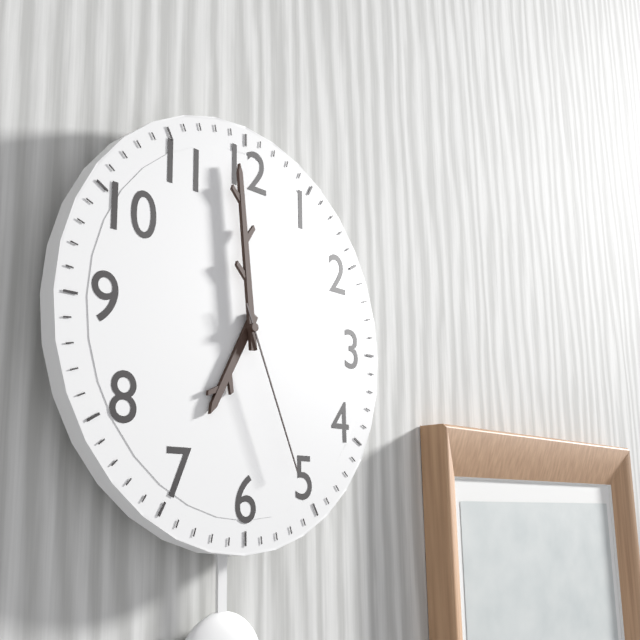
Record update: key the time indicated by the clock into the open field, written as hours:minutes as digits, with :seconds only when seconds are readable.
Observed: 6:59:26
